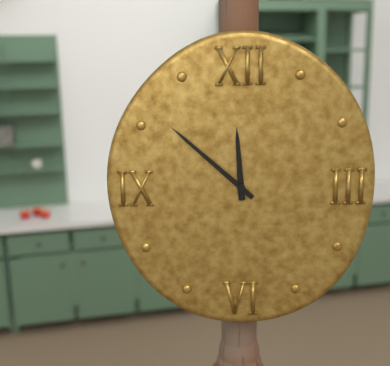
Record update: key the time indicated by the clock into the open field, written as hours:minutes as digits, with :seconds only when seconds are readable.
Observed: 11:52
